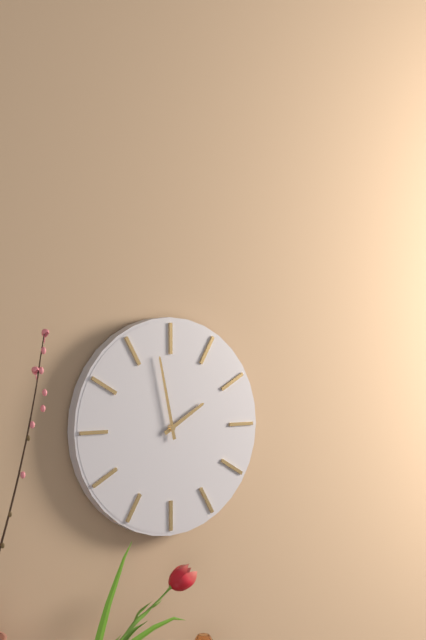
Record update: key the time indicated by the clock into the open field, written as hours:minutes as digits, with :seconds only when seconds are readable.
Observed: 1:58
